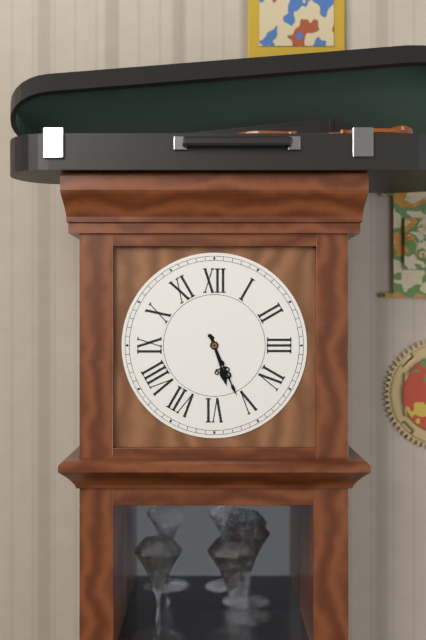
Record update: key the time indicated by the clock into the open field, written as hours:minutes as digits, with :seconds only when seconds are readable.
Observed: 5:26
